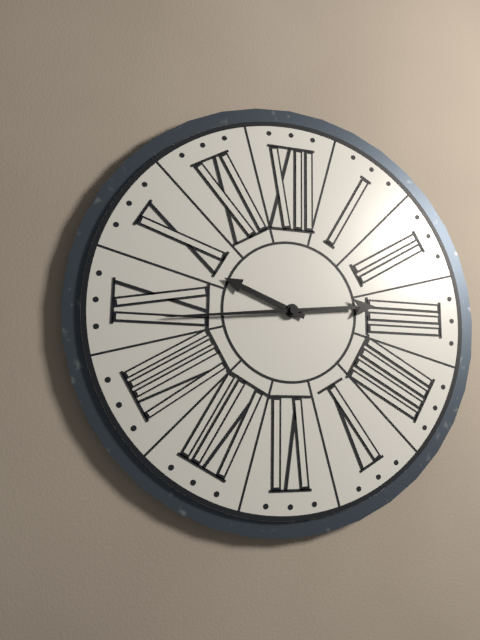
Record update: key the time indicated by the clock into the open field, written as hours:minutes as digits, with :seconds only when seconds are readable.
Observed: 9:44
